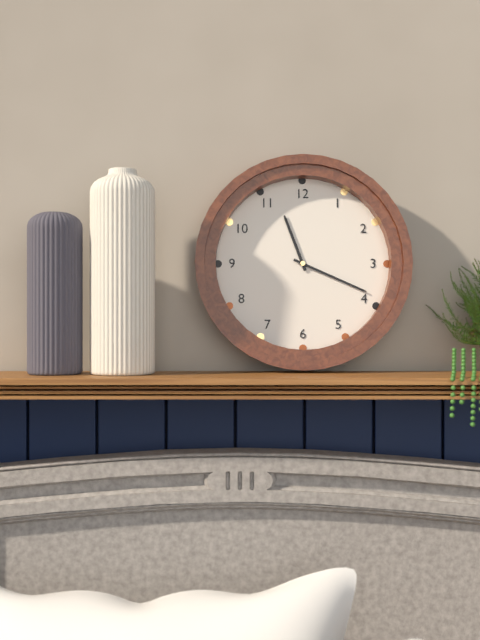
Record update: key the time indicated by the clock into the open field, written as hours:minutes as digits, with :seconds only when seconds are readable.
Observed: 11:19
